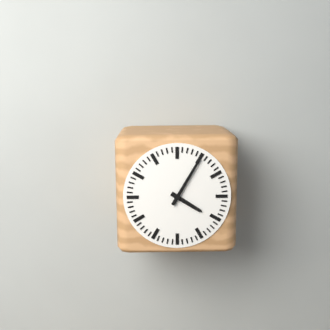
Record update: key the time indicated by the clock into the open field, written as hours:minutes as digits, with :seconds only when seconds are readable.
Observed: 4:05
